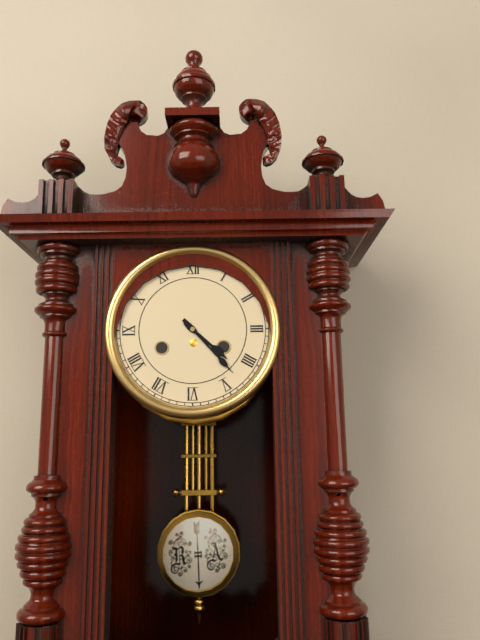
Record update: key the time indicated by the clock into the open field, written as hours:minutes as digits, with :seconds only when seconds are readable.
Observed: 4:23
